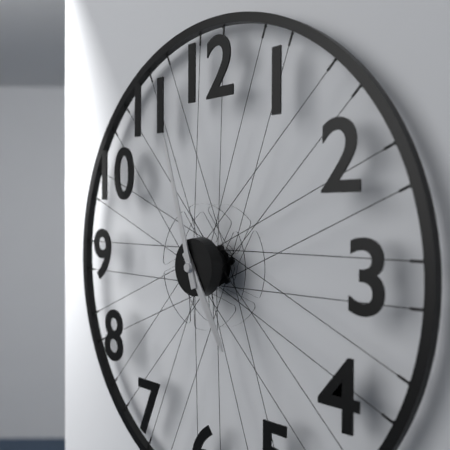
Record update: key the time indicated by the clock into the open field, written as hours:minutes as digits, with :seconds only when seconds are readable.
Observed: 4:57
